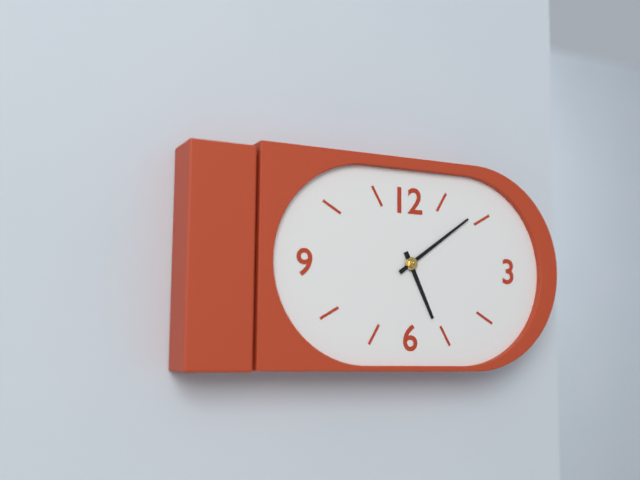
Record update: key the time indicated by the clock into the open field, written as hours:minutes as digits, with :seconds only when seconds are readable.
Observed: 5:09
